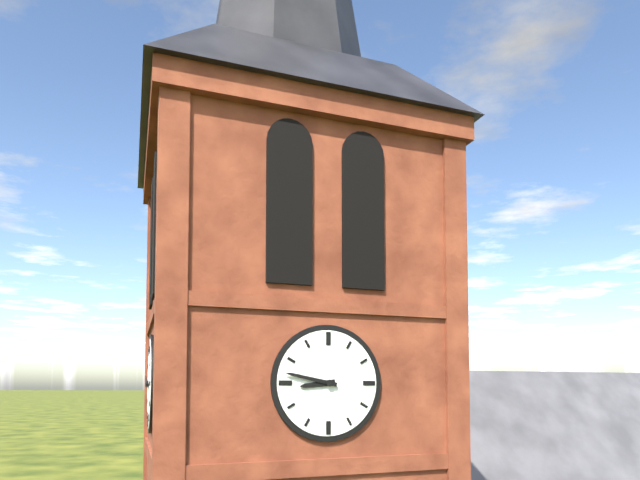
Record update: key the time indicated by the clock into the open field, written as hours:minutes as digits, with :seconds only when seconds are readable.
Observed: 8:47
